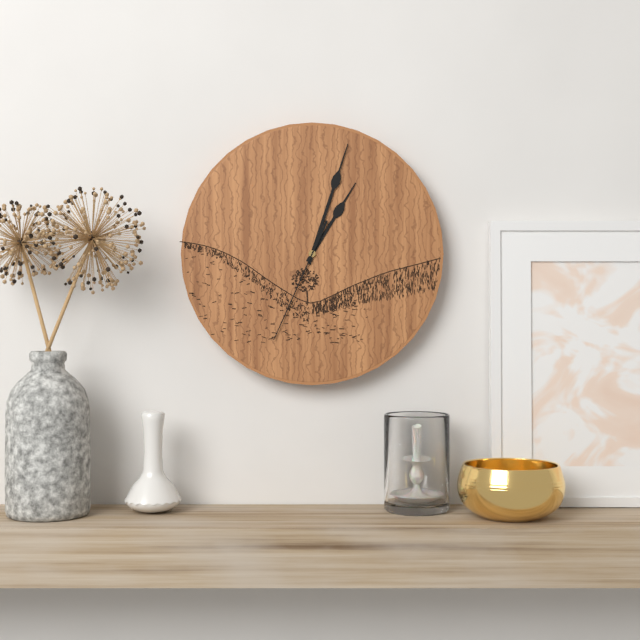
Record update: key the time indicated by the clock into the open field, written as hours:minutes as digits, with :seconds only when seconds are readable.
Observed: 1:03:34
